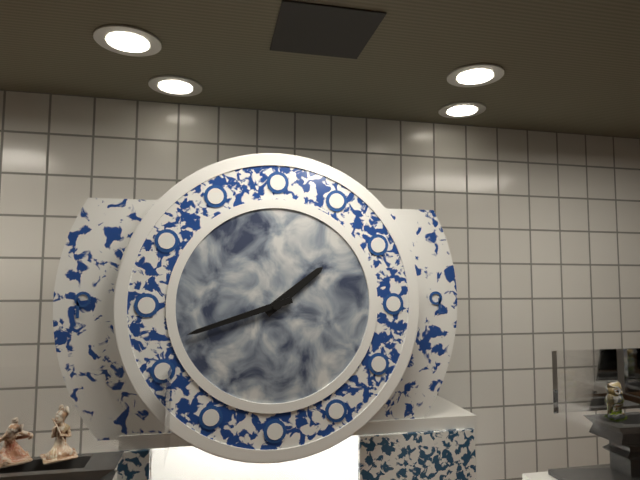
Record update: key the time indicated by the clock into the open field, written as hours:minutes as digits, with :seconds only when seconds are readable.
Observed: 1:42
